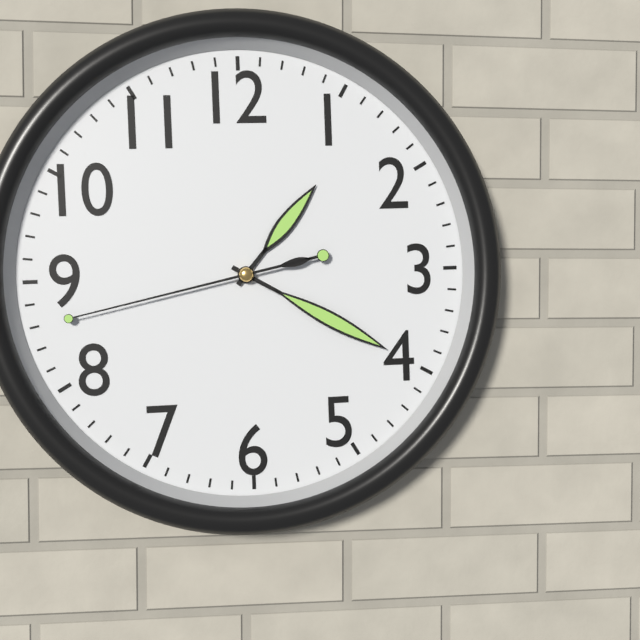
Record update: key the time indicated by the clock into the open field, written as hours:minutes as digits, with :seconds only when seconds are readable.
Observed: 1:20:43
